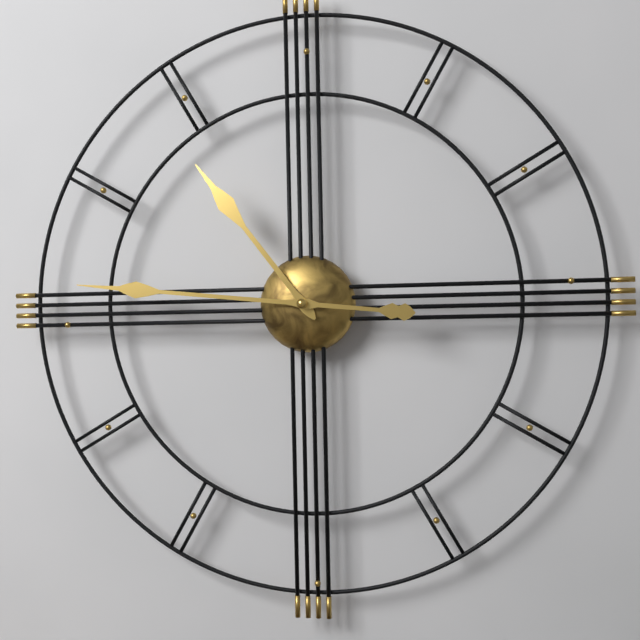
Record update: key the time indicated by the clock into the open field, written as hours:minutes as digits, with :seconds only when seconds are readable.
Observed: 10:46
